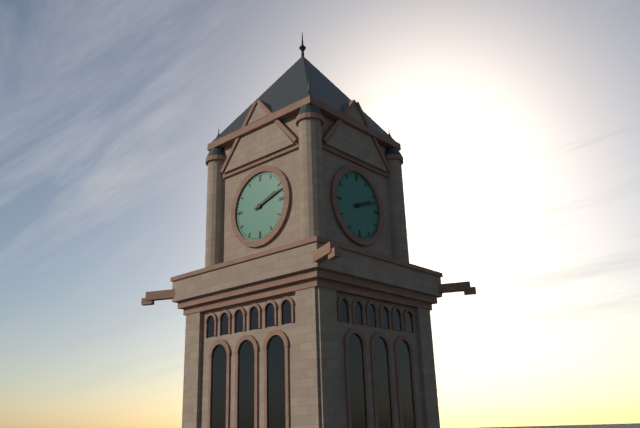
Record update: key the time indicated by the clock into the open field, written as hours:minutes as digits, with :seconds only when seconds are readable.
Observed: 2:12
